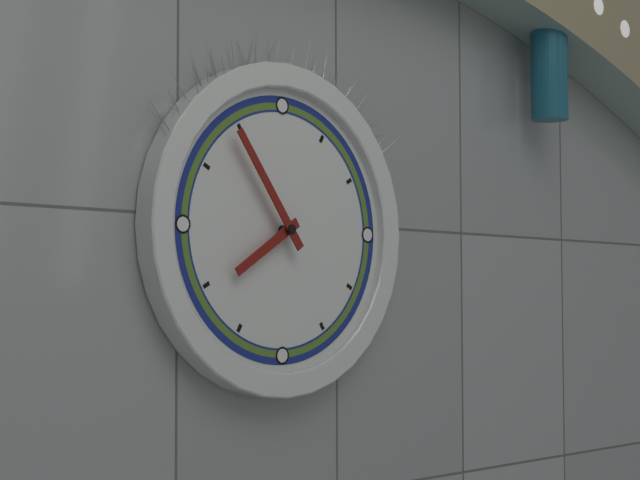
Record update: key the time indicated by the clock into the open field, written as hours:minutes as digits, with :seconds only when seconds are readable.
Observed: 7:54
